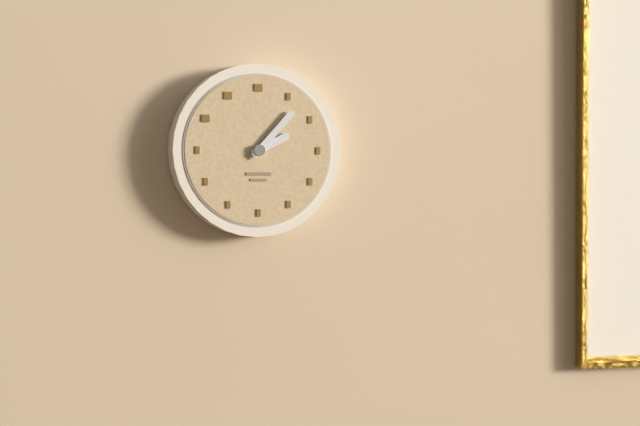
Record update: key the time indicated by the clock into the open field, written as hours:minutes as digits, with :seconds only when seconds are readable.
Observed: 2:07
